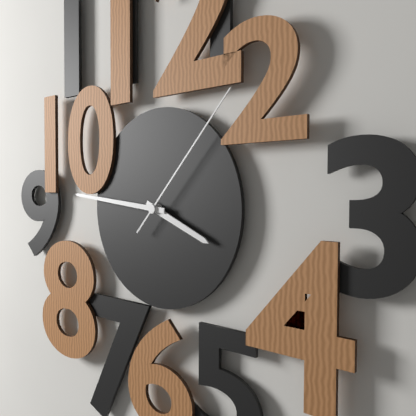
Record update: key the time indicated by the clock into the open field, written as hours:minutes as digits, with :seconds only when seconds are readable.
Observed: 3:46:07
